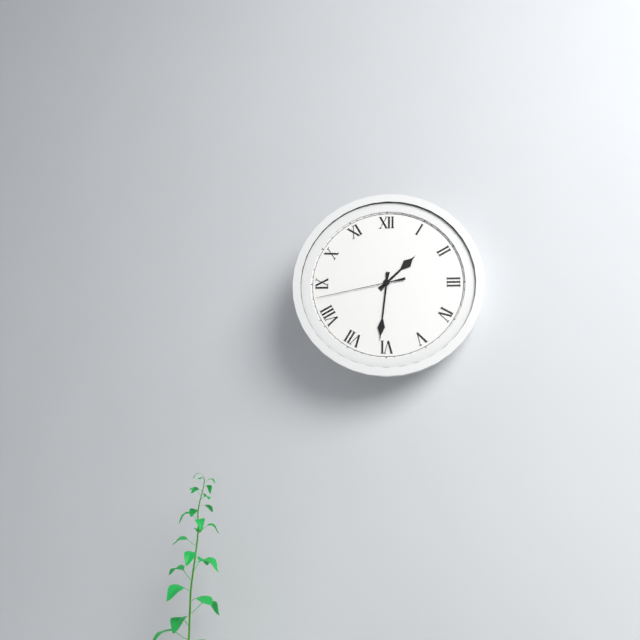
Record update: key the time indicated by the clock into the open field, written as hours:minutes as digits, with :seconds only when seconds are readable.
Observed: 1:31:43
